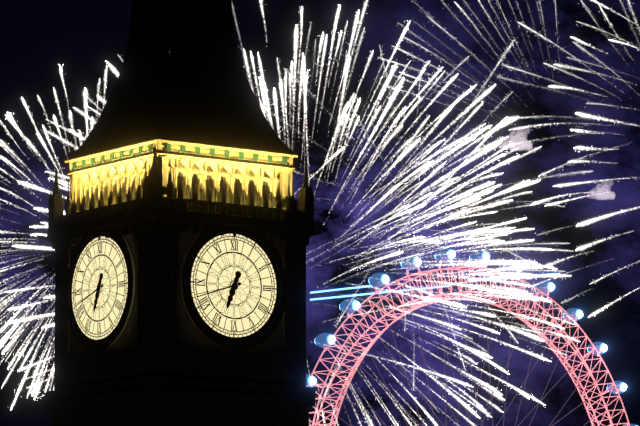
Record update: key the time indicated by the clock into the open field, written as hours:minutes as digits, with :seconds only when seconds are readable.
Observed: 6:42
